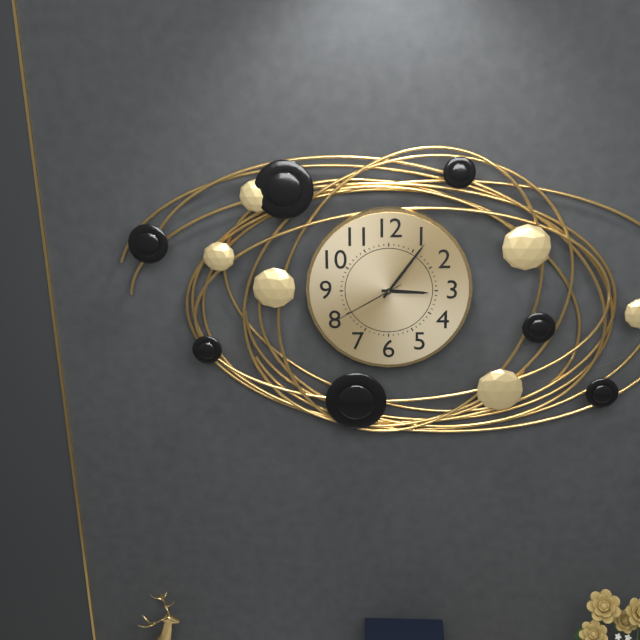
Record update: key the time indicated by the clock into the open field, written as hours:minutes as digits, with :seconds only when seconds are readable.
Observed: 3:06:40
